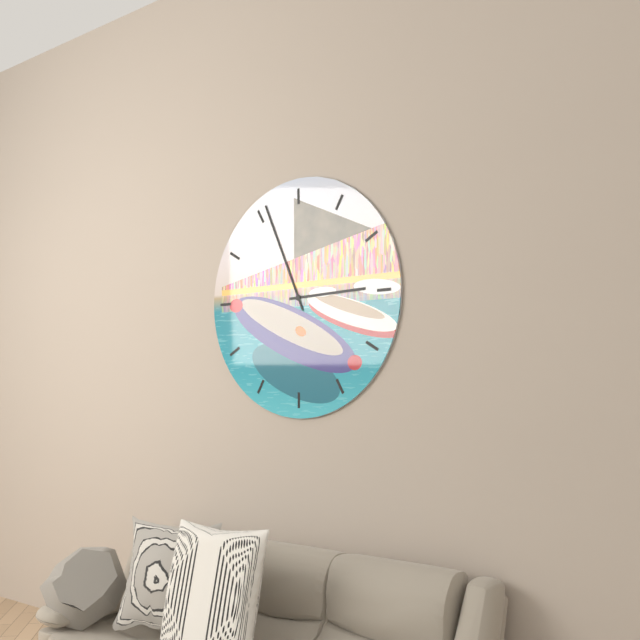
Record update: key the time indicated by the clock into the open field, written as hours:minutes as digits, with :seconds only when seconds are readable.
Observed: 2:56
